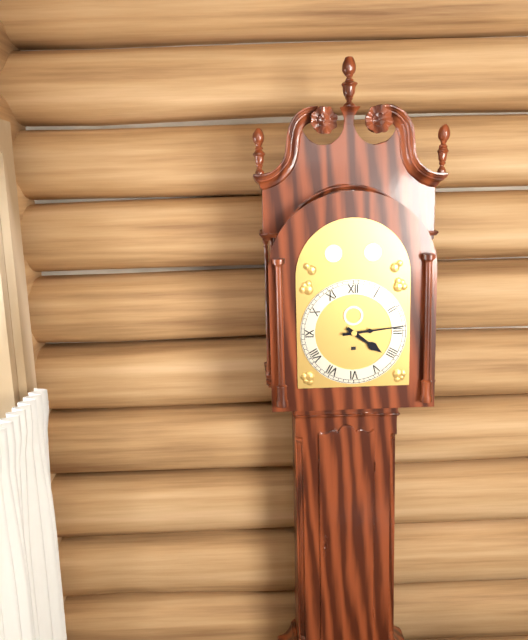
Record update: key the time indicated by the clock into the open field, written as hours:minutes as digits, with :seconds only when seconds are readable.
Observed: 4:14
